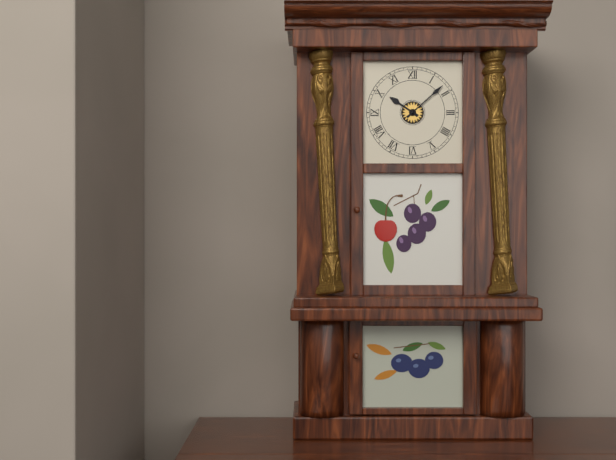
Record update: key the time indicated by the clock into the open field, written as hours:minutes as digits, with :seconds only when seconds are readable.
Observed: 10:08
